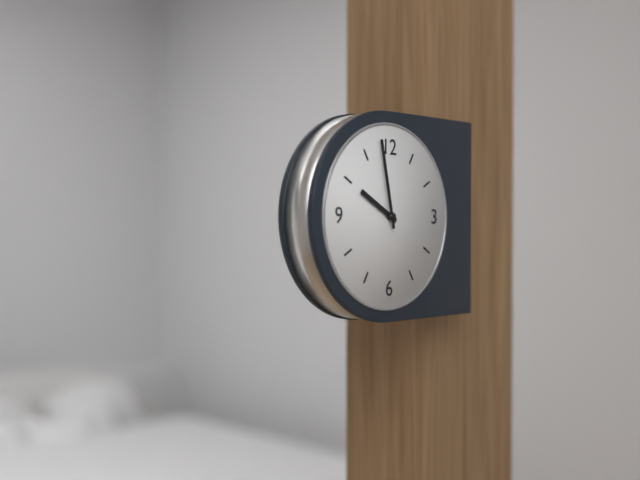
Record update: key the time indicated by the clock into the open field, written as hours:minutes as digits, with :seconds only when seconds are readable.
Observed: 9:58
